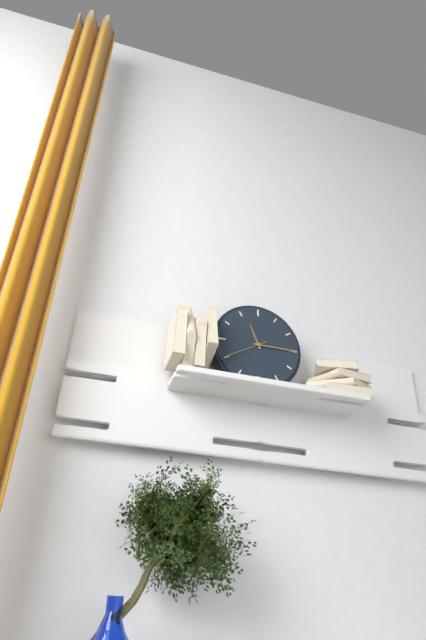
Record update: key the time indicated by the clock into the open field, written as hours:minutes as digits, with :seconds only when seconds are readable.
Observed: 11:15
